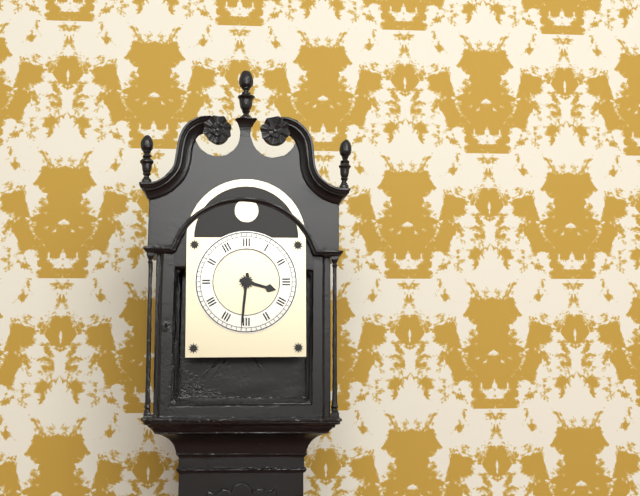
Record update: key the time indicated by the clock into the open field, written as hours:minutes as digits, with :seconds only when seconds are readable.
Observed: 3:31
